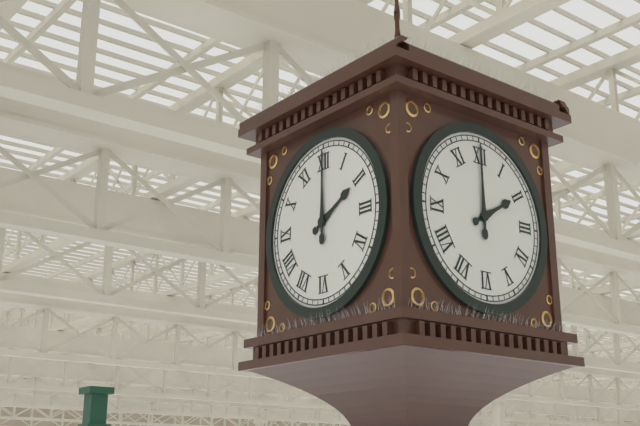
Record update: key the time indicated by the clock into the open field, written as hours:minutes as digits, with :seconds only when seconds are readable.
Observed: 2:00
